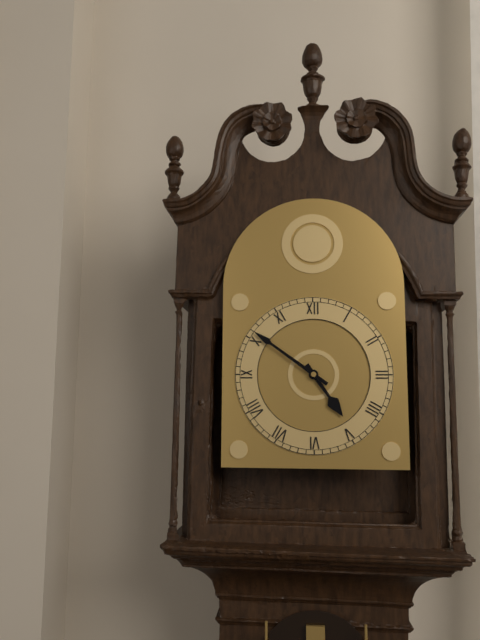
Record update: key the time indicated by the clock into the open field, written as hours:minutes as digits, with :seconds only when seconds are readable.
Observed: 4:51
